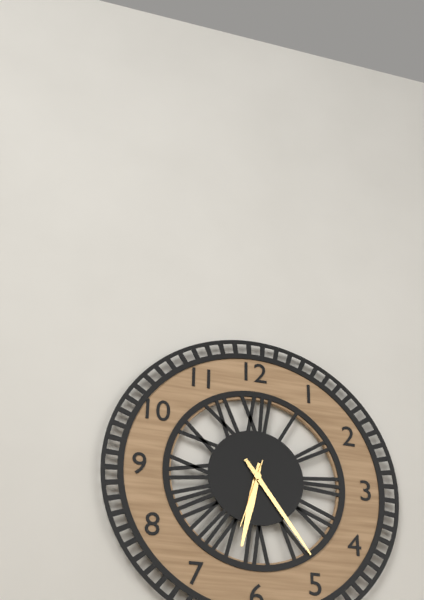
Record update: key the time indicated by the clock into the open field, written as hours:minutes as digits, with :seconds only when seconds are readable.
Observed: 6:24:33
